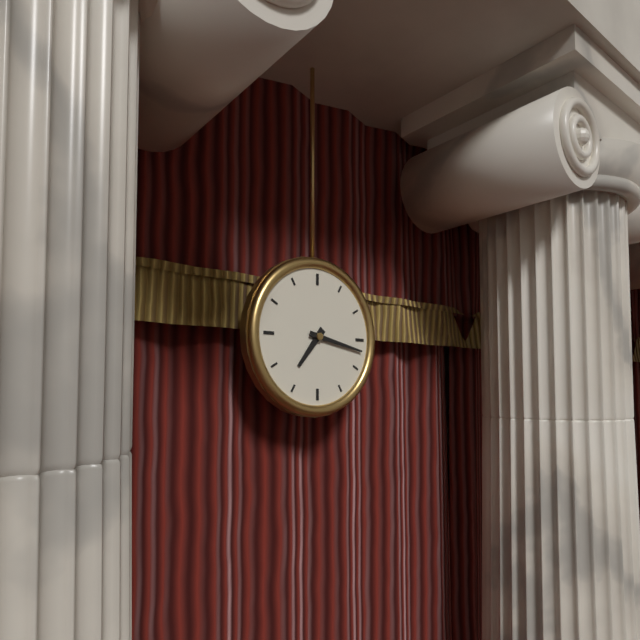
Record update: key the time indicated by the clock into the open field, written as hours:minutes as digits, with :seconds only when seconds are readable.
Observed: 7:17
